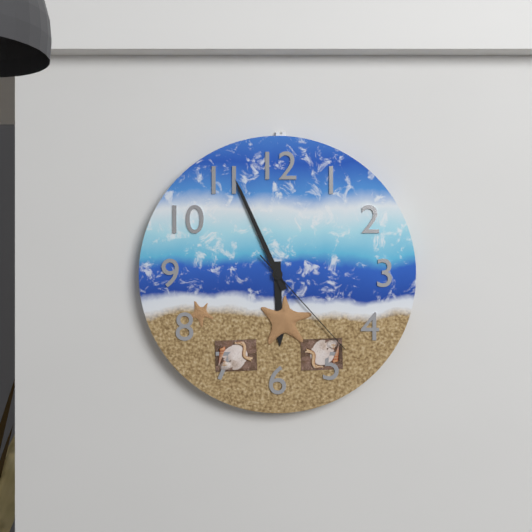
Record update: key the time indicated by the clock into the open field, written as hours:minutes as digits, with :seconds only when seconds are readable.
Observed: 5:56:23
